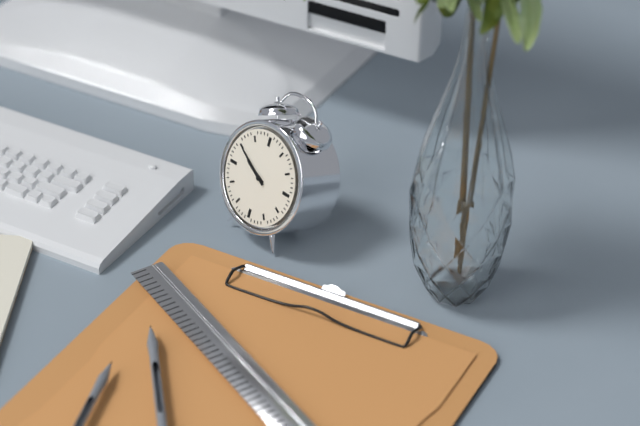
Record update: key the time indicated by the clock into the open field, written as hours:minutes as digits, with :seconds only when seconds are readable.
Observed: 9:50
